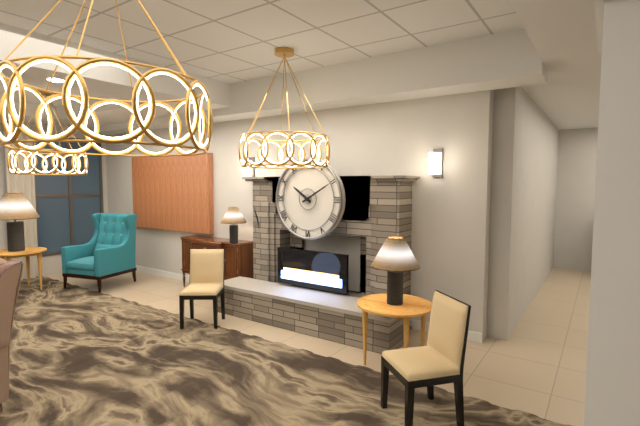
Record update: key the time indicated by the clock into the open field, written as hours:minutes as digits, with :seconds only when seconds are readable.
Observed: 10:10
